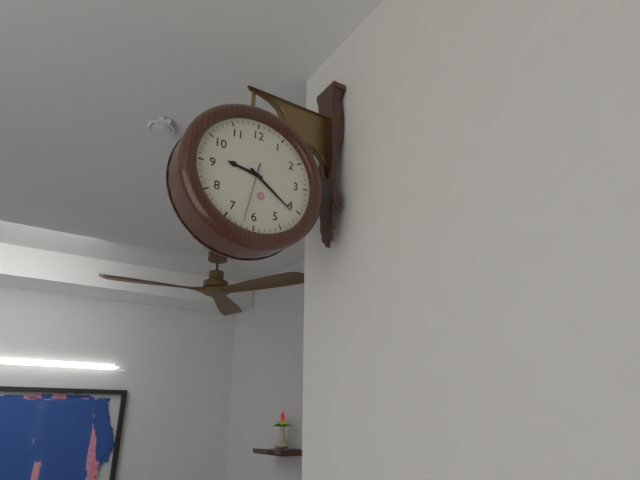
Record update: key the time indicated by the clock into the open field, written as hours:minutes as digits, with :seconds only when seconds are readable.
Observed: 9:21:32
